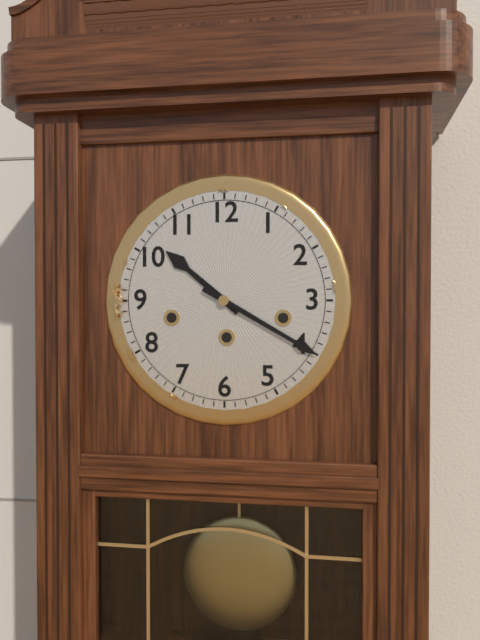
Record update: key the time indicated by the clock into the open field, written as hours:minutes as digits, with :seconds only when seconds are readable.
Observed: 10:20
